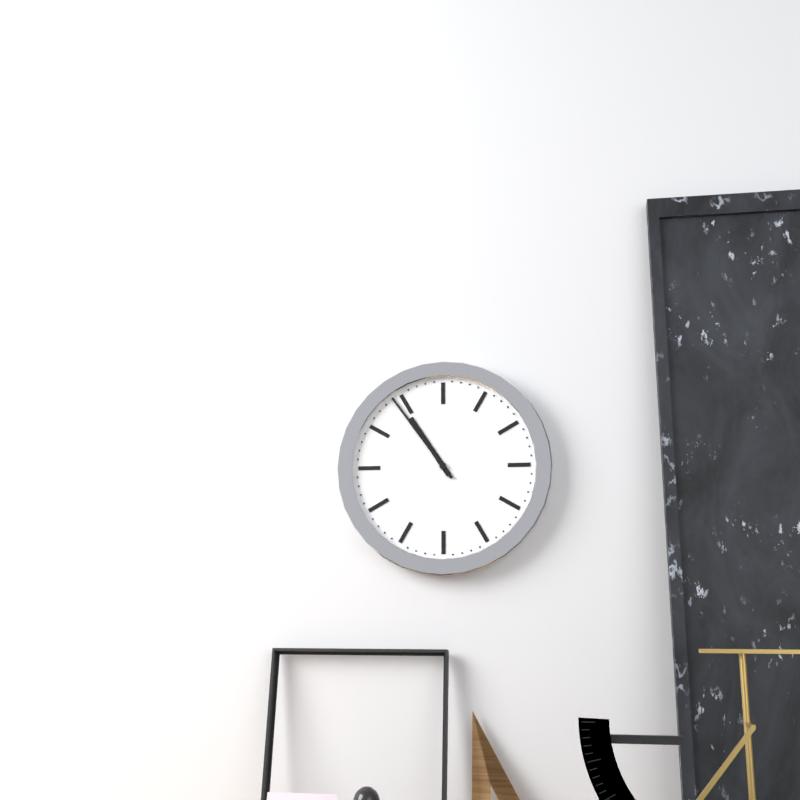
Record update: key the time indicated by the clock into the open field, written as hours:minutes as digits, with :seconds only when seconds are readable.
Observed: 10:54
